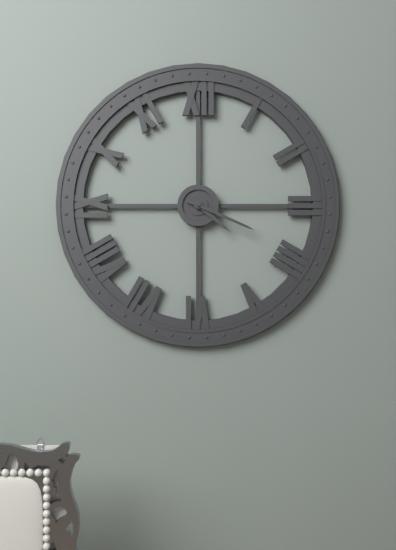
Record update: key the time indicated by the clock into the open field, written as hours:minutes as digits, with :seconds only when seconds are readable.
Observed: 4:19
